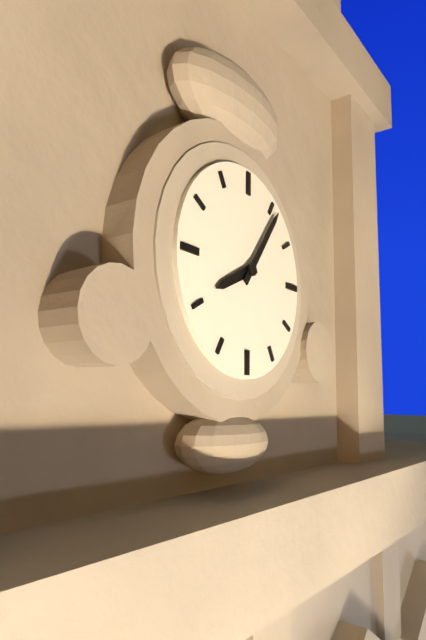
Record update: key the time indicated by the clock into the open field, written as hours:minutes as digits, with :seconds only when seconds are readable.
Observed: 8:06
